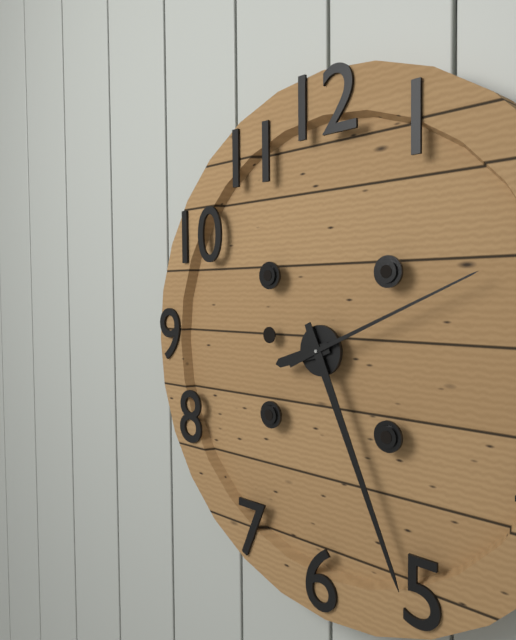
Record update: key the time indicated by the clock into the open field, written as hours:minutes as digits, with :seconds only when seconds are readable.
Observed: 8:26:11
